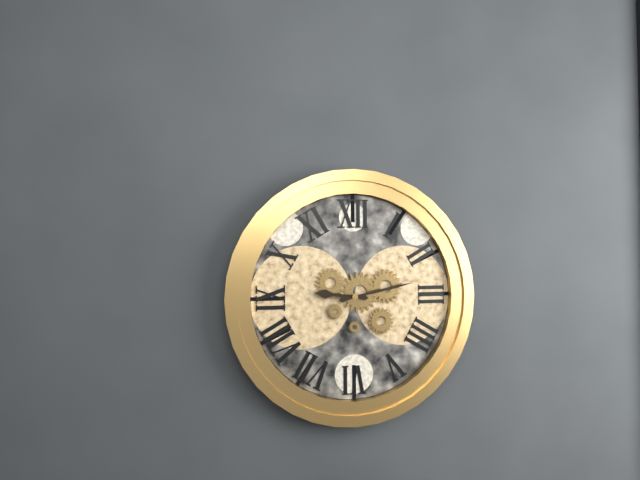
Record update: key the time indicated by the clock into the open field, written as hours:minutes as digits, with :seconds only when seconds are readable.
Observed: 9:13
